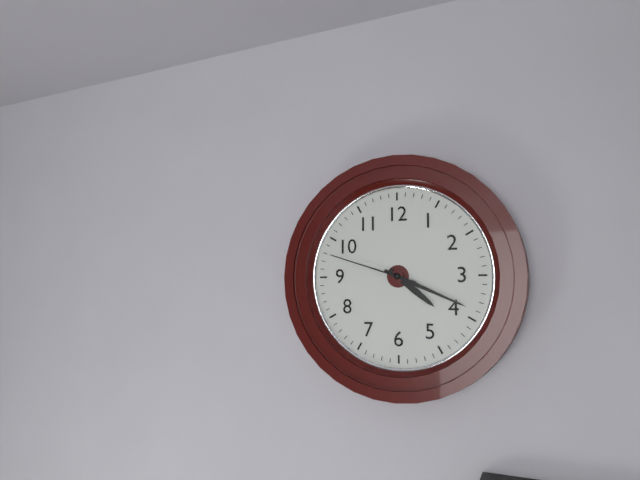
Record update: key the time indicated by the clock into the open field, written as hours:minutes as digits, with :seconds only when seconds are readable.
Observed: 4:19:48
